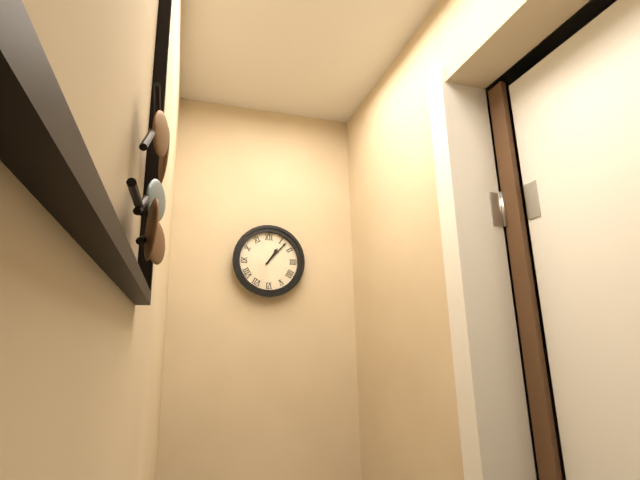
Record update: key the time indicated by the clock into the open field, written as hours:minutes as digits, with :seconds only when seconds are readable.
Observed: 1:07
